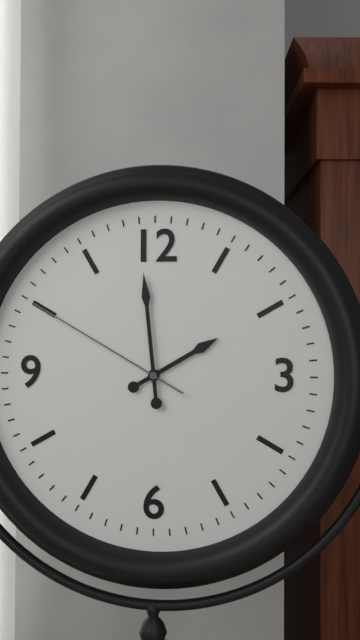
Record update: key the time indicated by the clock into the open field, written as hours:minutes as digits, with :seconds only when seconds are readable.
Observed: 1:59:50
